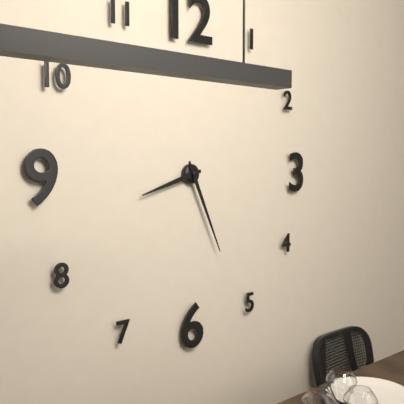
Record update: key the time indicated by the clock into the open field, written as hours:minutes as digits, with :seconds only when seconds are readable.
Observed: 8:26
